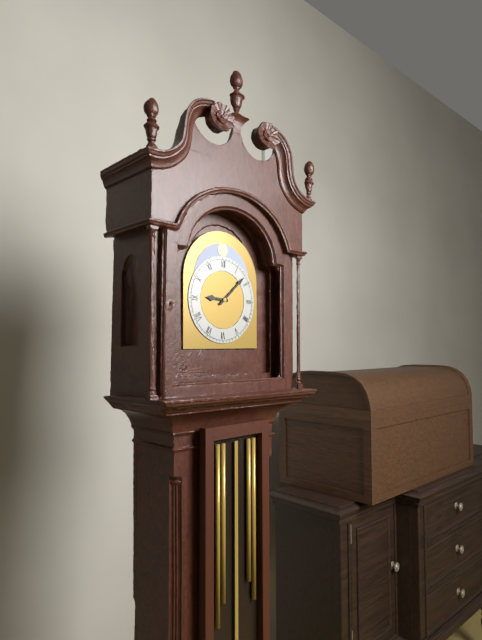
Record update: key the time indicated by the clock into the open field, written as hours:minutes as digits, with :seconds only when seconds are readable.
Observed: 9:08
